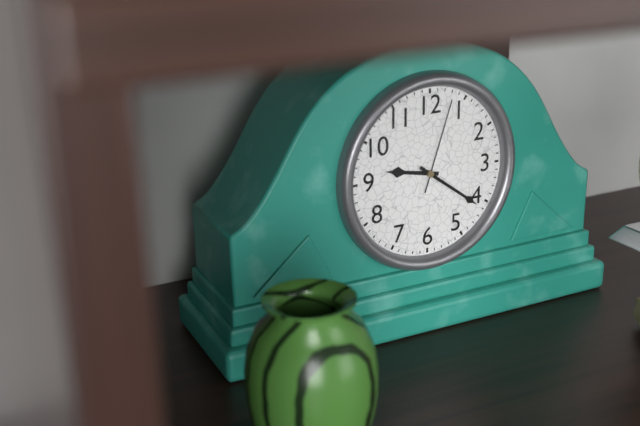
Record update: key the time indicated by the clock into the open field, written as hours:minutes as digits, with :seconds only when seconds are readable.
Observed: 9:21:03
